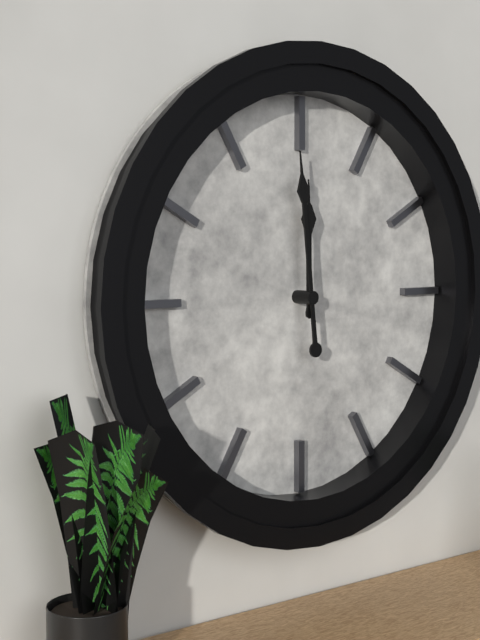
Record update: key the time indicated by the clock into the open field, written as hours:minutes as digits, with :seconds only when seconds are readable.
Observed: 11:59
